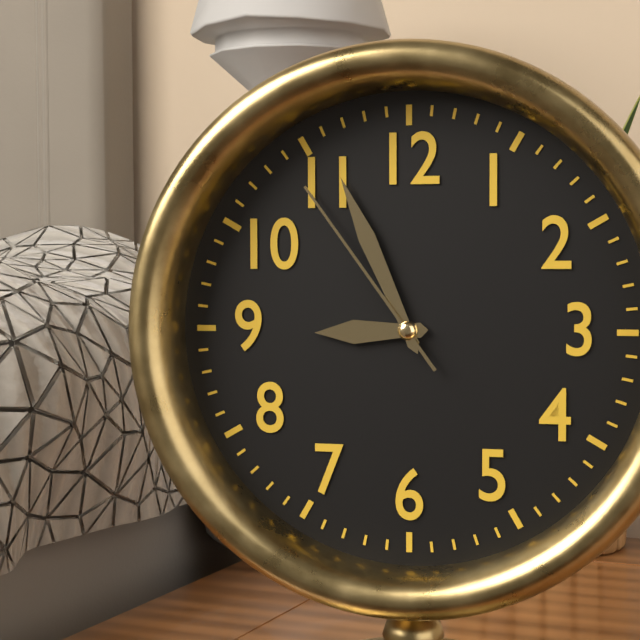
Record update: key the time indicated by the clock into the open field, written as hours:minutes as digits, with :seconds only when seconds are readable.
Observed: 8:56:54
